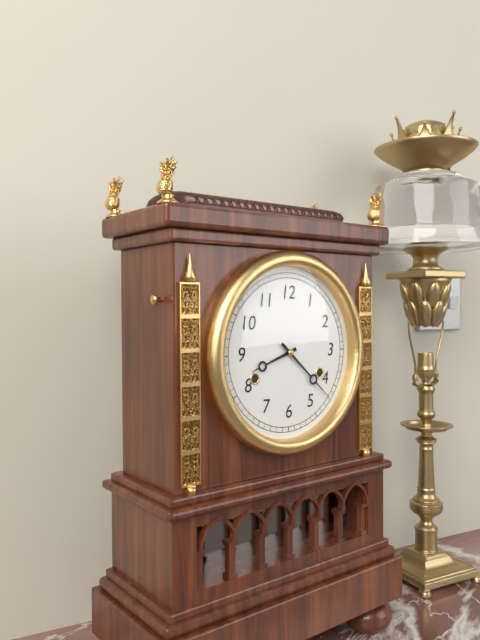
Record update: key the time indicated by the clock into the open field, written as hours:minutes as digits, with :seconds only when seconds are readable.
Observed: 8:22
